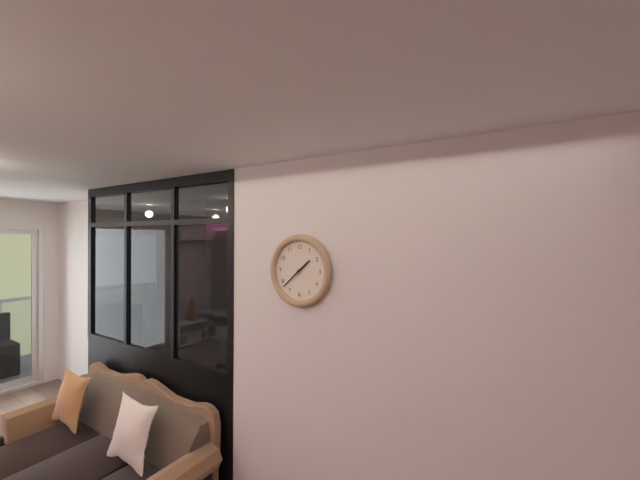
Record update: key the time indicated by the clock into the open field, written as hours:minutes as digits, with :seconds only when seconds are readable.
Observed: 1:38
